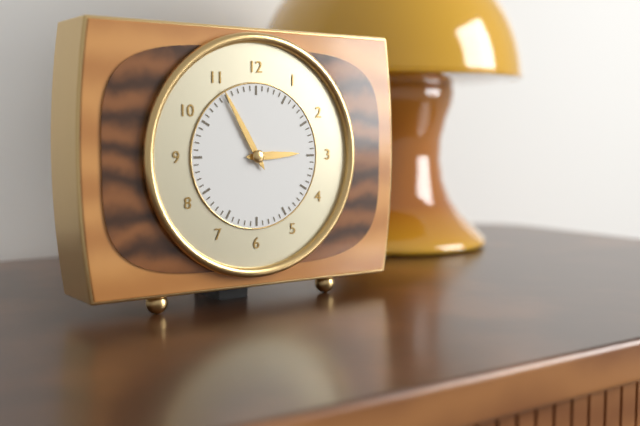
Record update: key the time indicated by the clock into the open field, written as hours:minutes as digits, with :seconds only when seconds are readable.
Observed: 2:55
